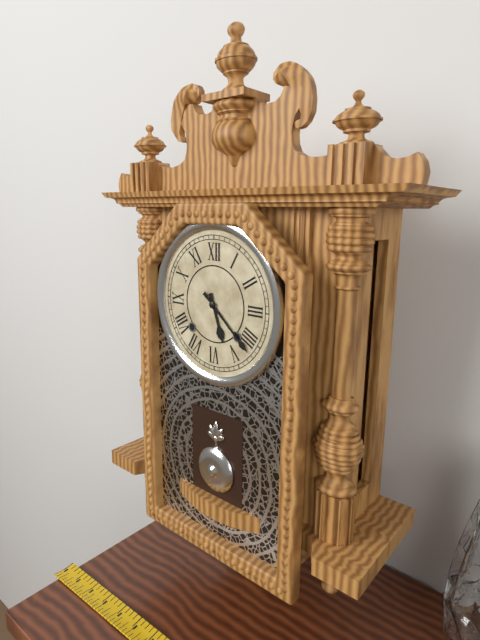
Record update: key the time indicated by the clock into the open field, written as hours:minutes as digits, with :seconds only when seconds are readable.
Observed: 5:22
